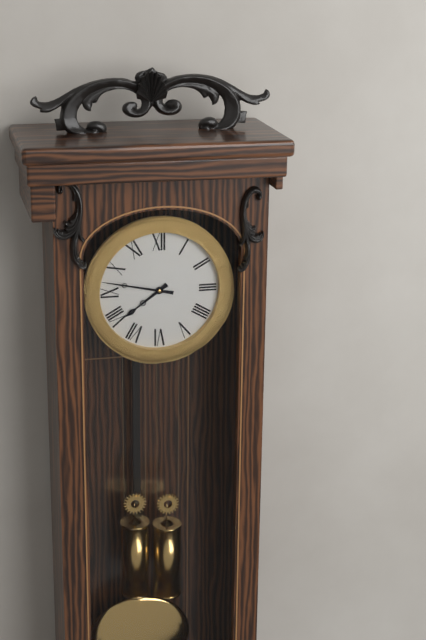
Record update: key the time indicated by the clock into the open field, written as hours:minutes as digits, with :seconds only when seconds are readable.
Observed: 7:47
